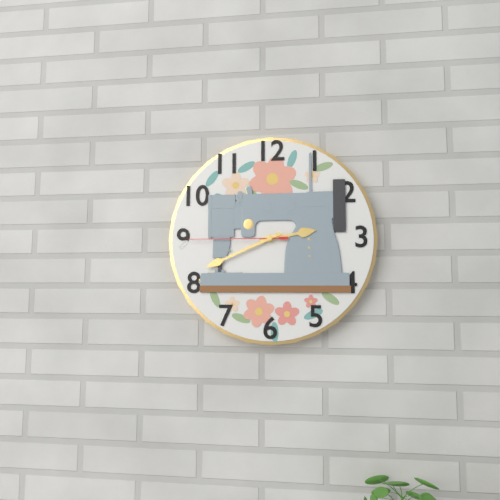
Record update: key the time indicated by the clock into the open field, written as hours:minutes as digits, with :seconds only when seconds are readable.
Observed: 2:41:45
